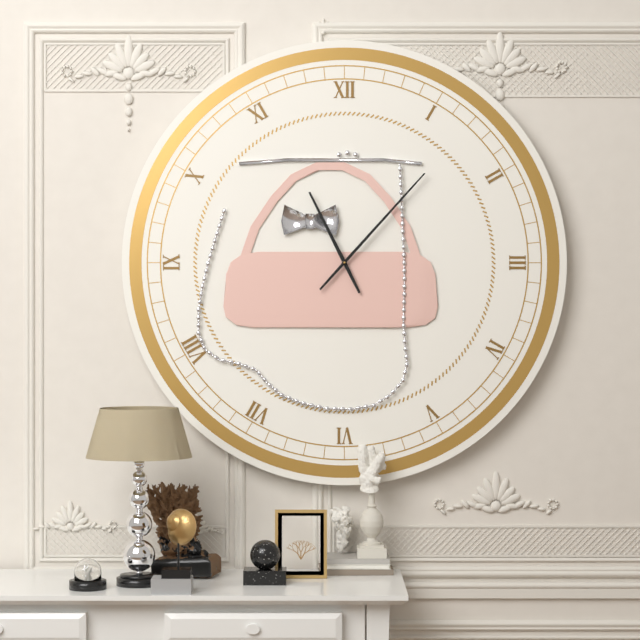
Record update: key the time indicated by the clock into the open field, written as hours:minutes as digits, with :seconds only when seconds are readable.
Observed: 11:07
